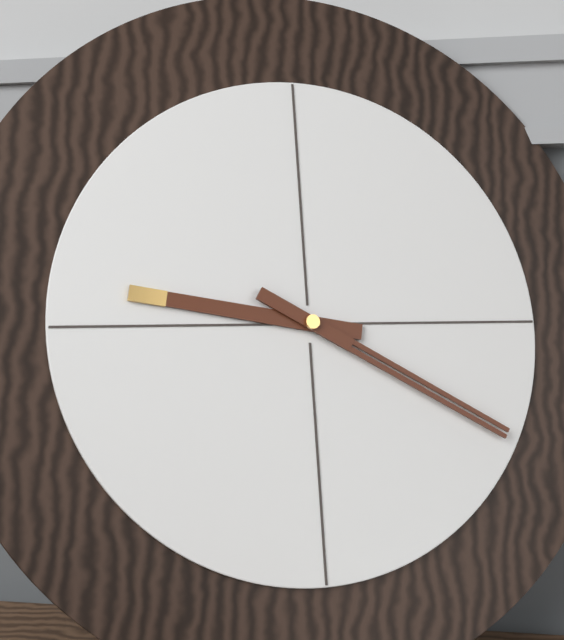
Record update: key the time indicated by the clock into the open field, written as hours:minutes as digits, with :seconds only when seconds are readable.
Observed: 9:20
